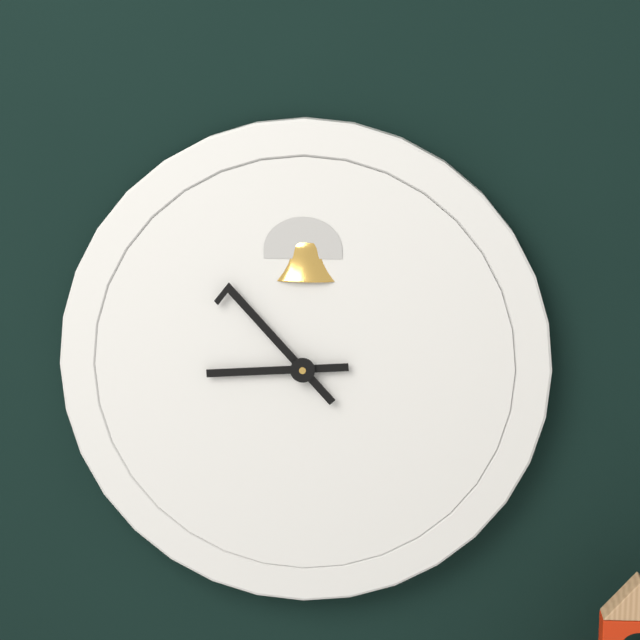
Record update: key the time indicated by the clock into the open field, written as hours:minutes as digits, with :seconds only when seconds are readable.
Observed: 8:53
